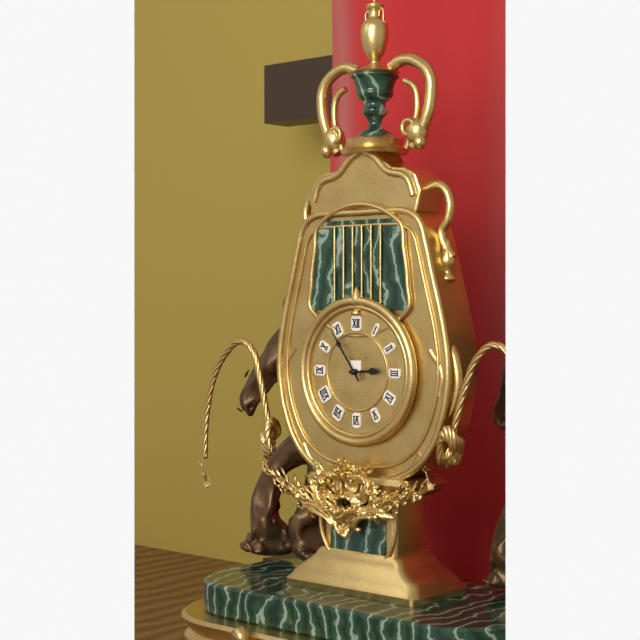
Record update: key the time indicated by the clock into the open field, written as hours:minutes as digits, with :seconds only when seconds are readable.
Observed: 2:54
